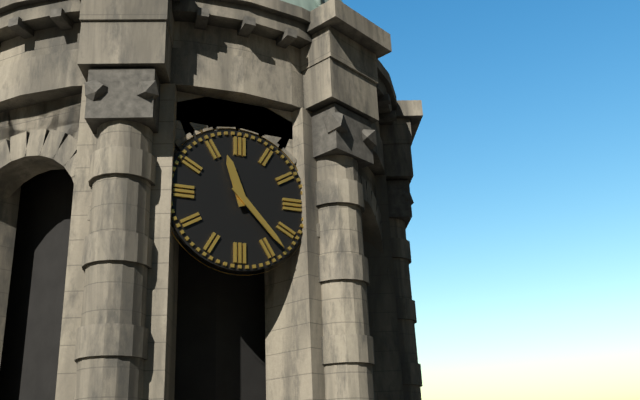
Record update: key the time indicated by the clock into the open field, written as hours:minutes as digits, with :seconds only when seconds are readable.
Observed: 11:23
